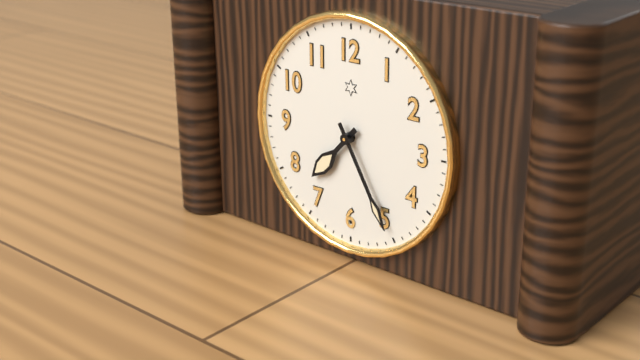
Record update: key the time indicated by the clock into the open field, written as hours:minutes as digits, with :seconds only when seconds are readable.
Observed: 7:25
